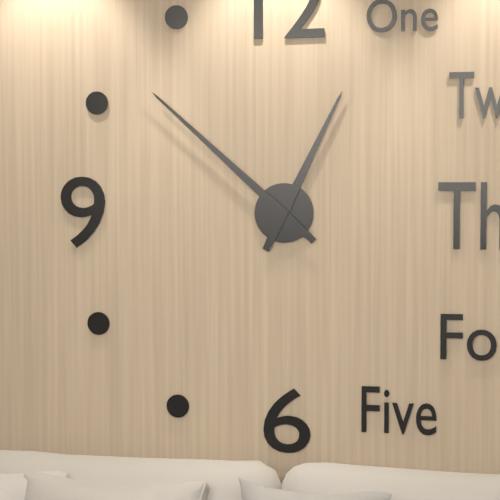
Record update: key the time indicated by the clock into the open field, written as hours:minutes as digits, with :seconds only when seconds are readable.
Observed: 12:52
